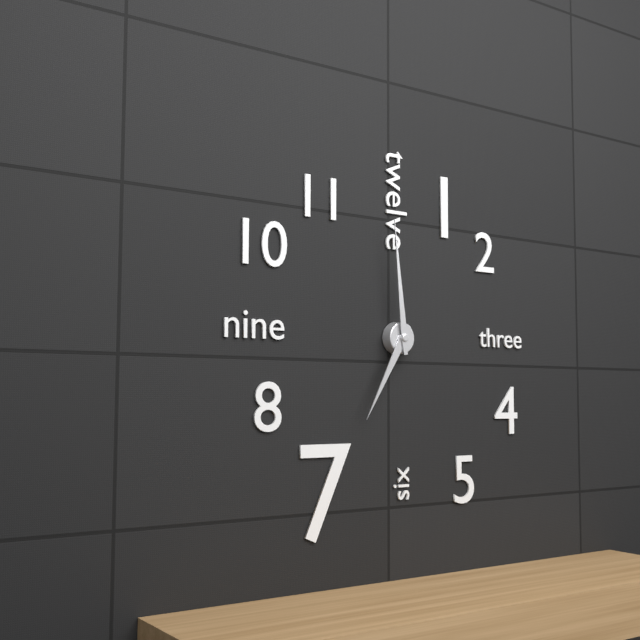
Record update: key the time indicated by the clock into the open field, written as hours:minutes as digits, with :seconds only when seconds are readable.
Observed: 6:59
